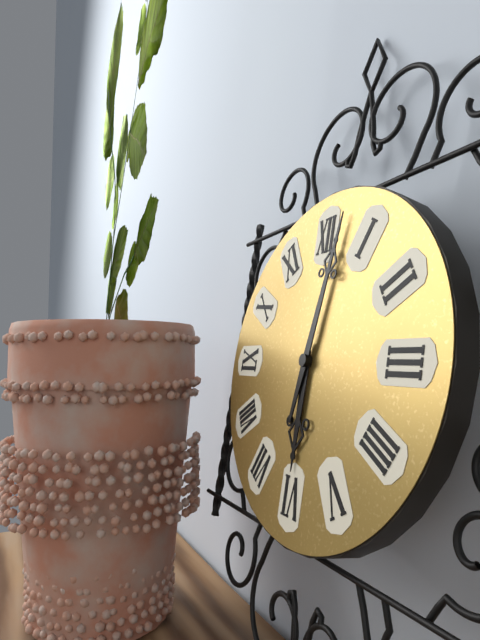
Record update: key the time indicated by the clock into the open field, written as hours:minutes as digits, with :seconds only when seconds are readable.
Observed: 6:02
